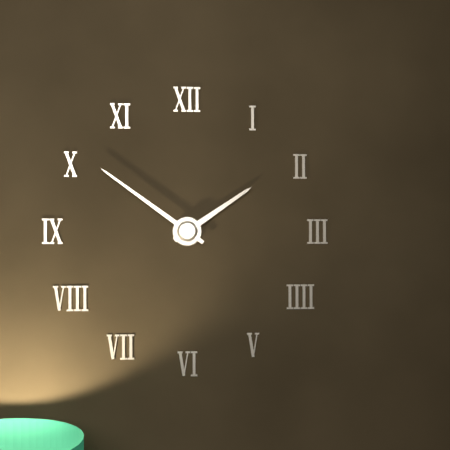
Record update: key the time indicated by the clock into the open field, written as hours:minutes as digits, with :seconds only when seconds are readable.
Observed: 1:51
